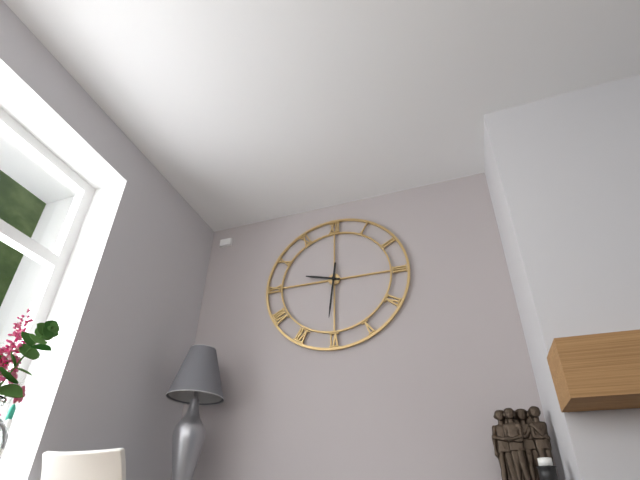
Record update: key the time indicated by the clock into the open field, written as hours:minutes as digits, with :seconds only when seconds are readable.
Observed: 9:31
